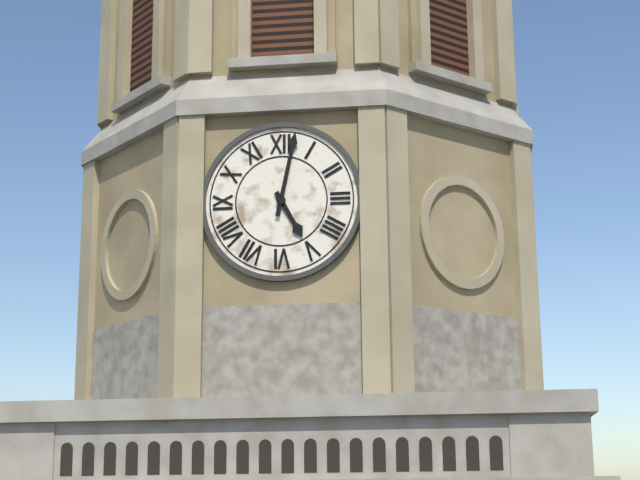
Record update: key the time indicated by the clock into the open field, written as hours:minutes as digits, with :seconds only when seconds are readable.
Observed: 5:02
